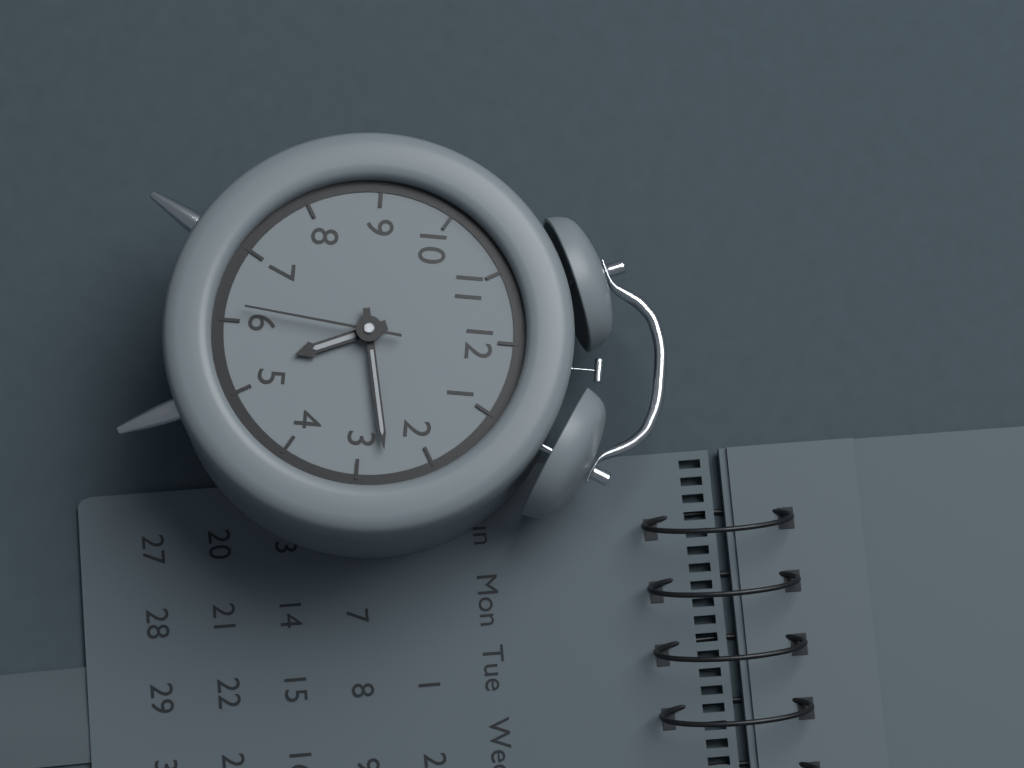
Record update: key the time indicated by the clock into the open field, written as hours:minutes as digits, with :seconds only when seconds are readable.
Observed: 5:13:31
